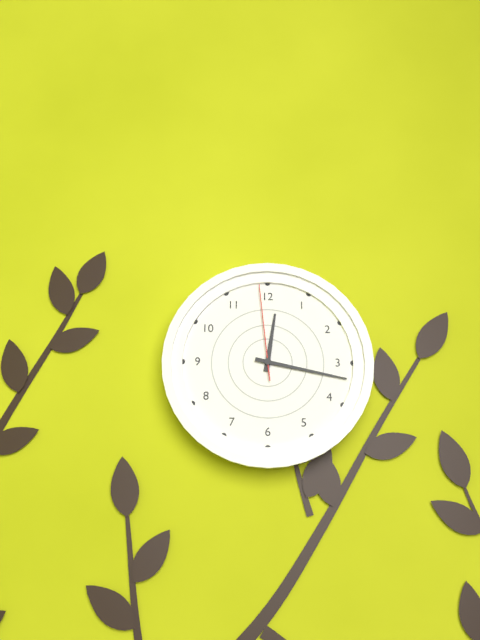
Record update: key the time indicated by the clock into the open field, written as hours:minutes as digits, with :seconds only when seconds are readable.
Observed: 12:17:59
